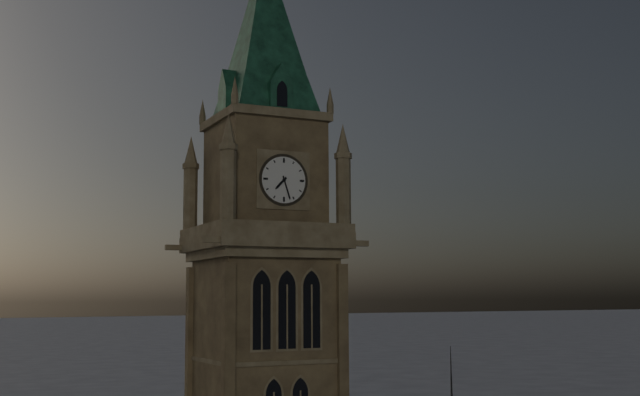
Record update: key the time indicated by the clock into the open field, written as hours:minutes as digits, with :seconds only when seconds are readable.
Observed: 7:27
